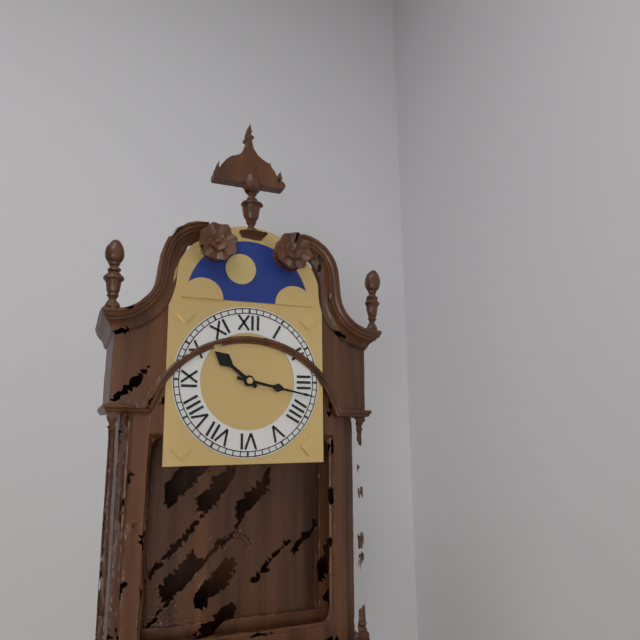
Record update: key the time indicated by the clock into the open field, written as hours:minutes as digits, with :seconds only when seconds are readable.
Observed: 10:17
